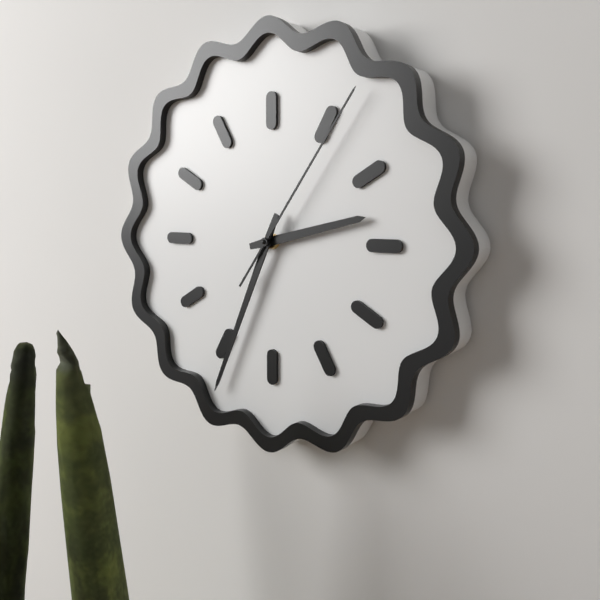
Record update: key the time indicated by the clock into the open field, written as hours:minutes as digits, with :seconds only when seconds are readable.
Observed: 2:34:06
